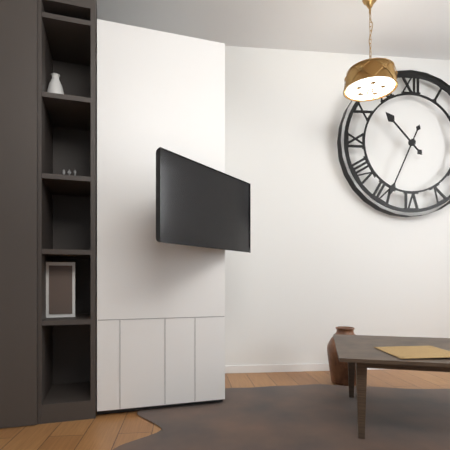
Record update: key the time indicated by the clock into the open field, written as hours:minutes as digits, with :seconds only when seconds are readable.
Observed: 10:34
